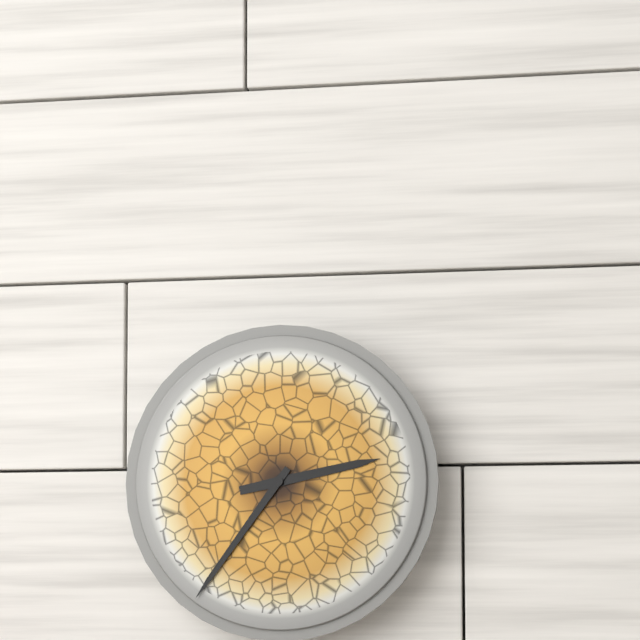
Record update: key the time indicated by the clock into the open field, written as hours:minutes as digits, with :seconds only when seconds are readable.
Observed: 2:36
